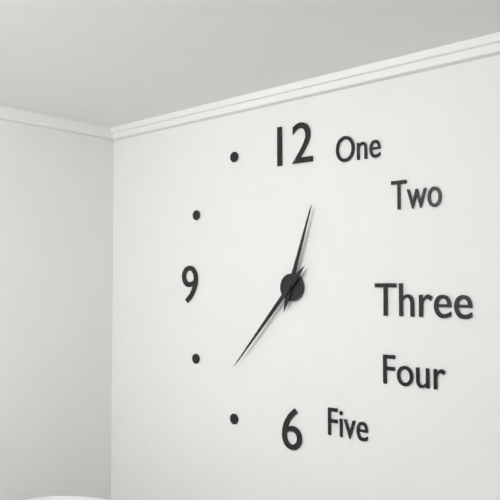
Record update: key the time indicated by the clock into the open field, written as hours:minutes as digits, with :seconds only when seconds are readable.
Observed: 12:37
